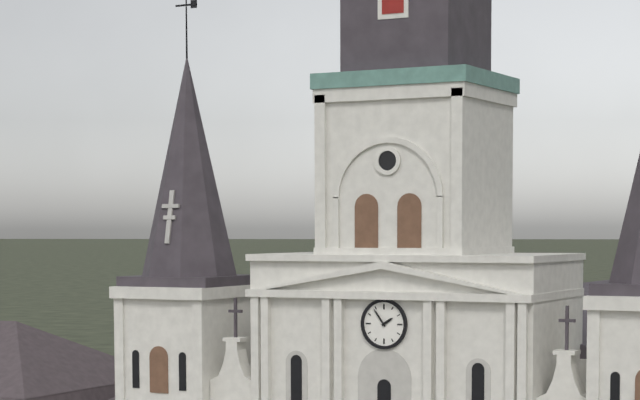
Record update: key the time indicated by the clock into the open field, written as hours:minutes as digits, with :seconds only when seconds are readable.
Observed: 1:54
